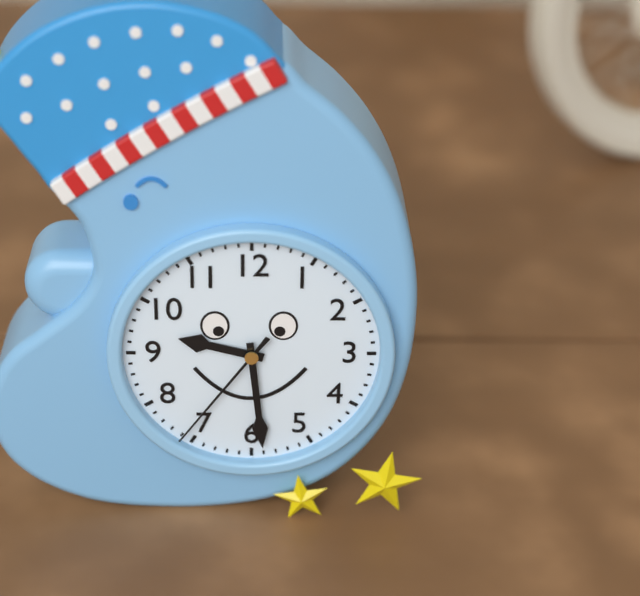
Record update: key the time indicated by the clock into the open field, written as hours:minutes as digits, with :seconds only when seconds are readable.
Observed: 9:29:36
